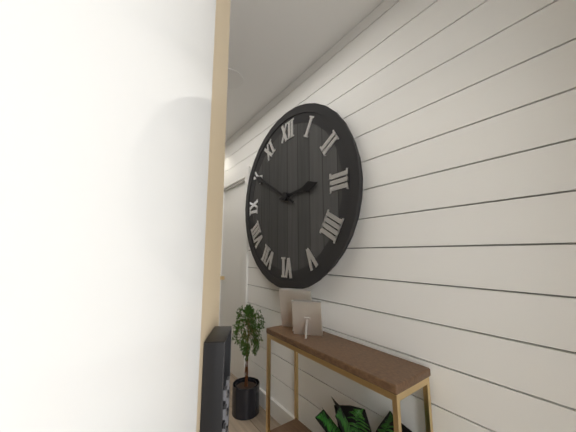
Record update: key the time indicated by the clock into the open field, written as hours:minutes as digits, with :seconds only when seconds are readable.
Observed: 2:50
